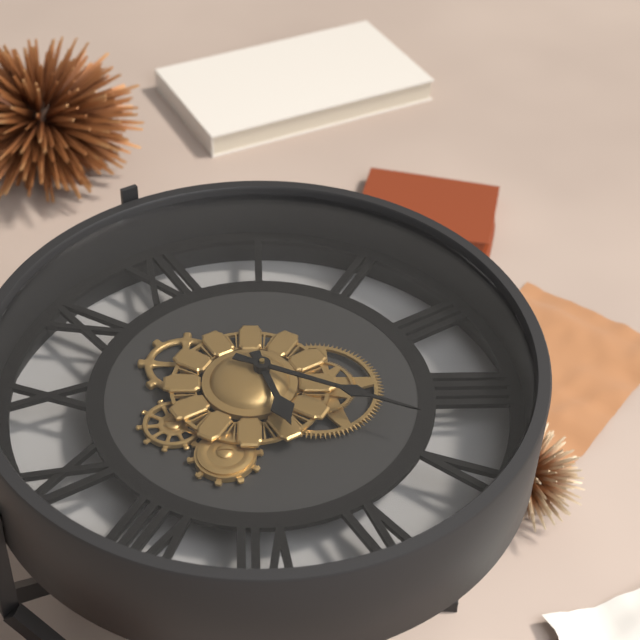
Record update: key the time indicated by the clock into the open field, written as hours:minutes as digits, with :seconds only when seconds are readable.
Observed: 6:24
